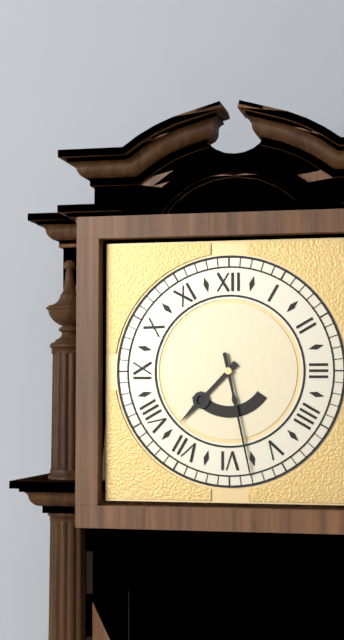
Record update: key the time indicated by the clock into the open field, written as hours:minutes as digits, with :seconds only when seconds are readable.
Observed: 7:28
